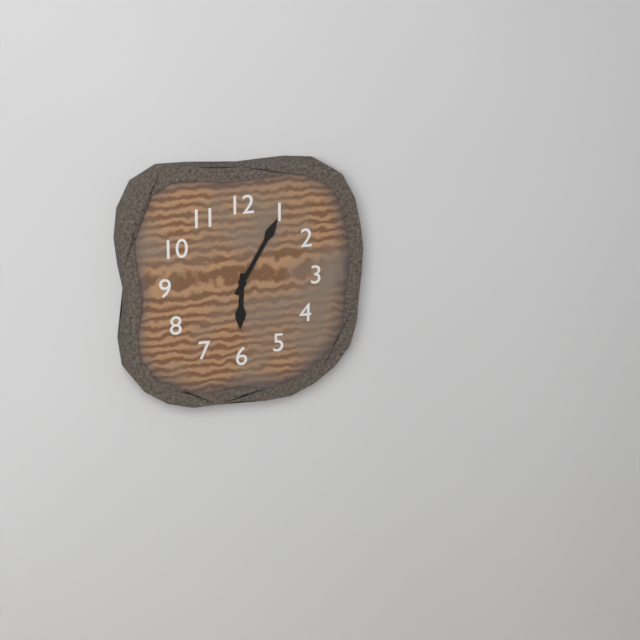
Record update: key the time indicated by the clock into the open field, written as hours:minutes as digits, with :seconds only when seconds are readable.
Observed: 6:05
